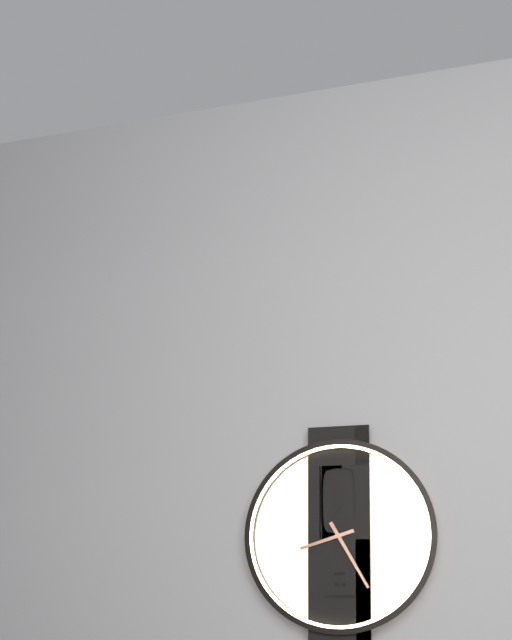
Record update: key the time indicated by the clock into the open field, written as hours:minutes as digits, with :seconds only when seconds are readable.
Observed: 8:25
